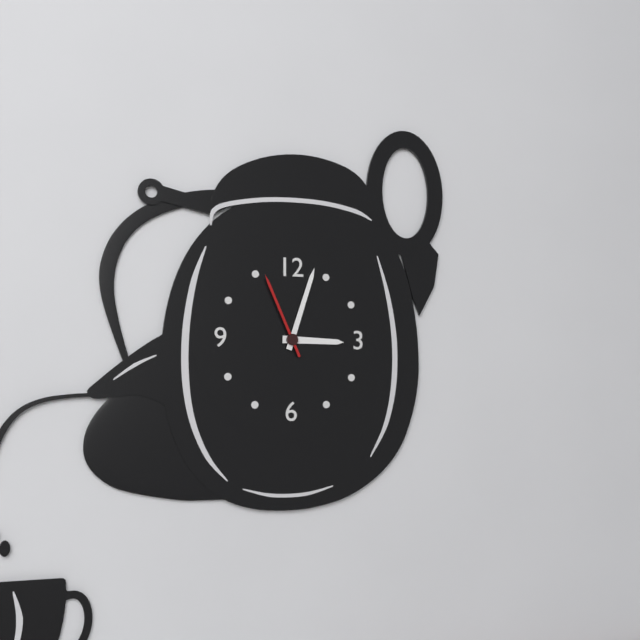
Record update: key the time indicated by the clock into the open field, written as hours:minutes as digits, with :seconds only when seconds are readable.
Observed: 3:03:56
